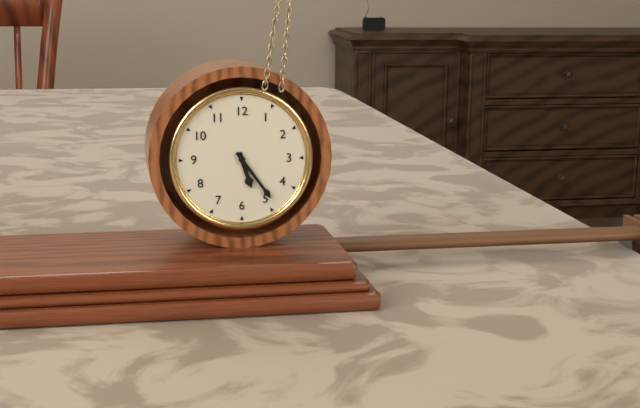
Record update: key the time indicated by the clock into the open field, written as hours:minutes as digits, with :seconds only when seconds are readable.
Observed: 5:24
